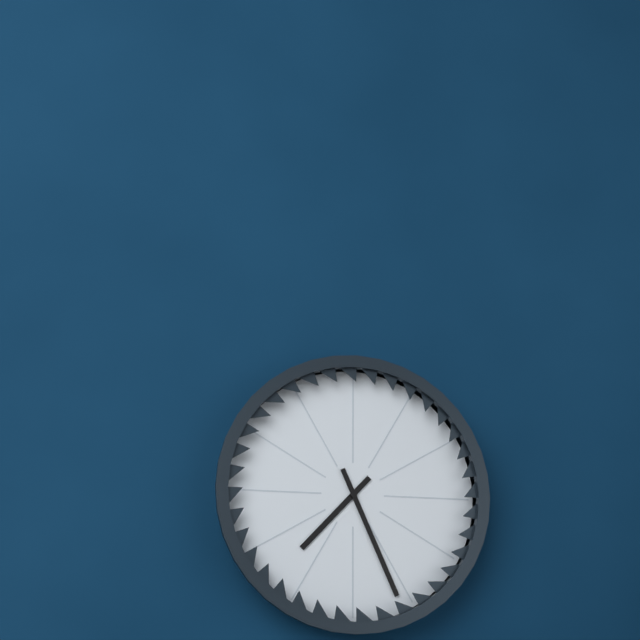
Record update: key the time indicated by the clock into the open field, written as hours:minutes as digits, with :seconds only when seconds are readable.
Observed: 7:26
